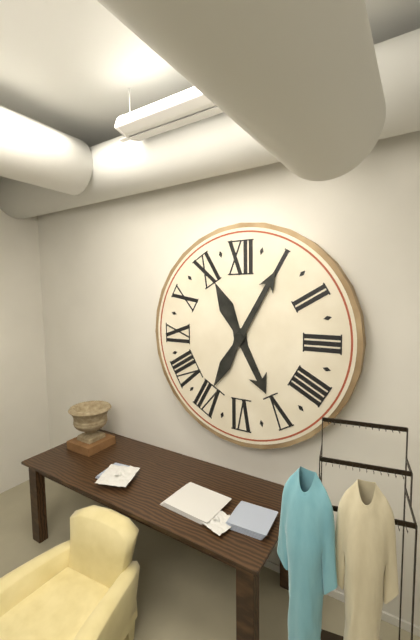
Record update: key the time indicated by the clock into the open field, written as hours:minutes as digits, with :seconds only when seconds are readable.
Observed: 5:05
